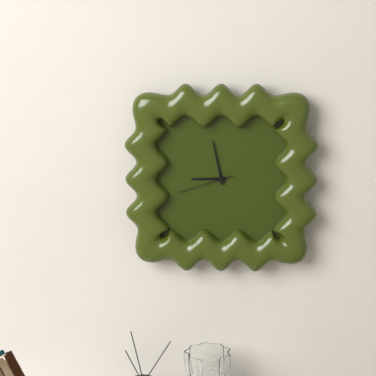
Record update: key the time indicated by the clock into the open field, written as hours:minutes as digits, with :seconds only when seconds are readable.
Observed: 8:58:42
